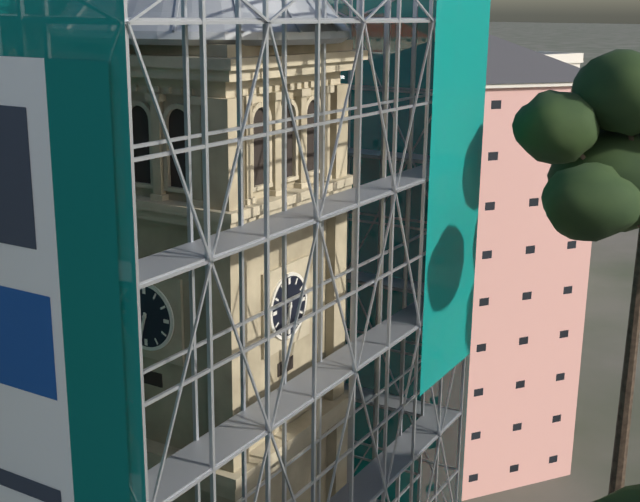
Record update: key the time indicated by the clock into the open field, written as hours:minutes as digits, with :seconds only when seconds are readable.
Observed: 6:32
